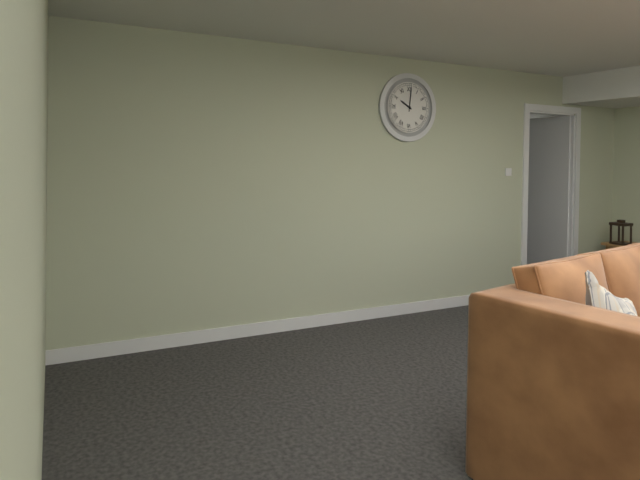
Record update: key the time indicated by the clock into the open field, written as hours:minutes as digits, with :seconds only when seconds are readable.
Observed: 10:01
